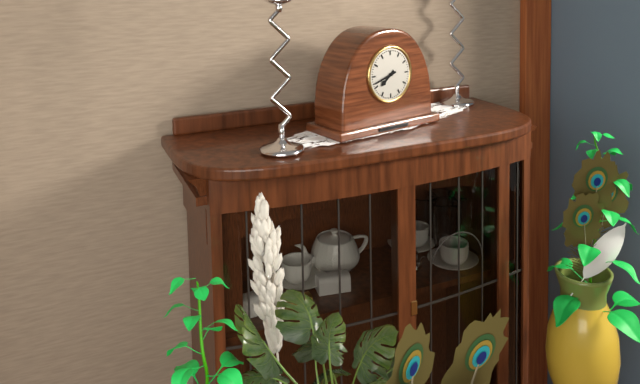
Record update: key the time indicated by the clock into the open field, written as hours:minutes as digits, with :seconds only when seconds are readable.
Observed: 7:42
